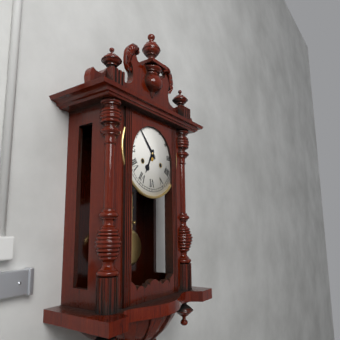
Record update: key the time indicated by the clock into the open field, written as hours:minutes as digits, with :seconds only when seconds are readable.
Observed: 6:53
